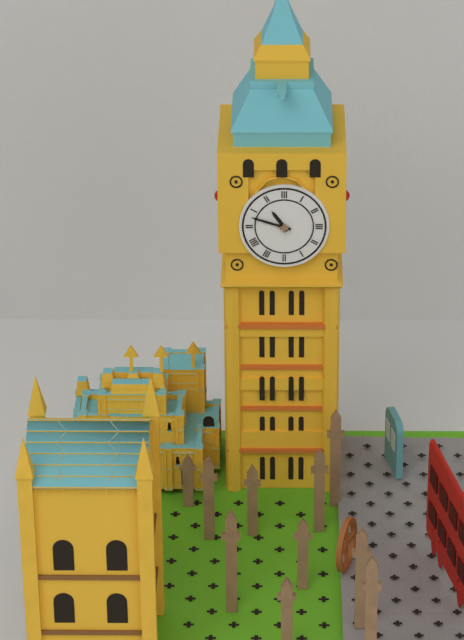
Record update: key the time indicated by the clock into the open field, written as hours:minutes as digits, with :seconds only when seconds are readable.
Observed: 10:48
